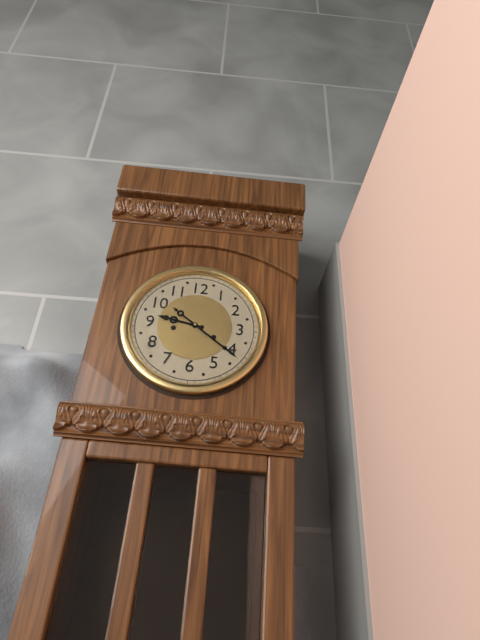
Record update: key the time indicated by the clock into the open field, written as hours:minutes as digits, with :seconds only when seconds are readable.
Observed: 9:21
